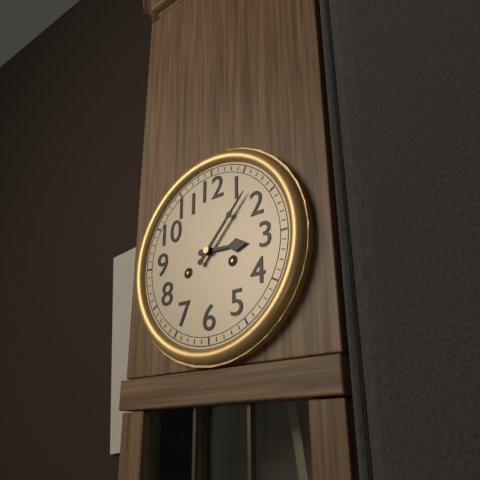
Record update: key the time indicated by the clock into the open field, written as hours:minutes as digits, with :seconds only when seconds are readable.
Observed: 3:07
